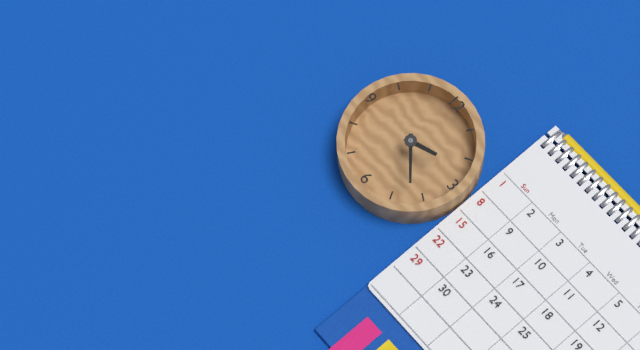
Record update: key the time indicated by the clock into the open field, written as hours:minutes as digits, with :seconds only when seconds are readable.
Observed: 2:22
